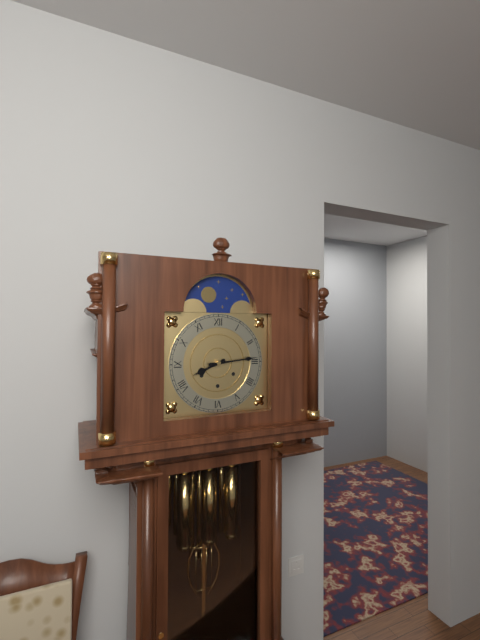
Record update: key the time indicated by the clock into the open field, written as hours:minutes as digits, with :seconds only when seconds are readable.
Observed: 8:14
